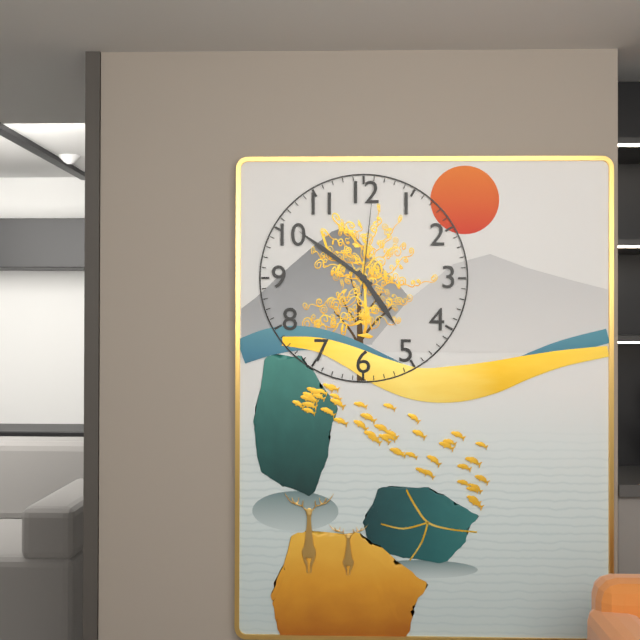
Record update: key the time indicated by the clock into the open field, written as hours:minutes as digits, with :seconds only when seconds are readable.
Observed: 4:51:01
